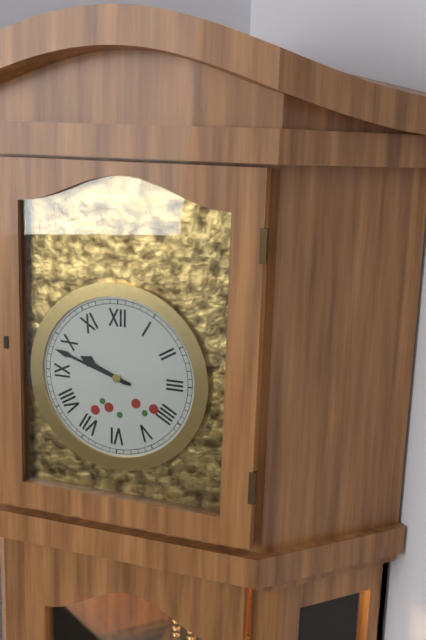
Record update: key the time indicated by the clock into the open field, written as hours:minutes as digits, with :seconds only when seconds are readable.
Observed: 9:48
